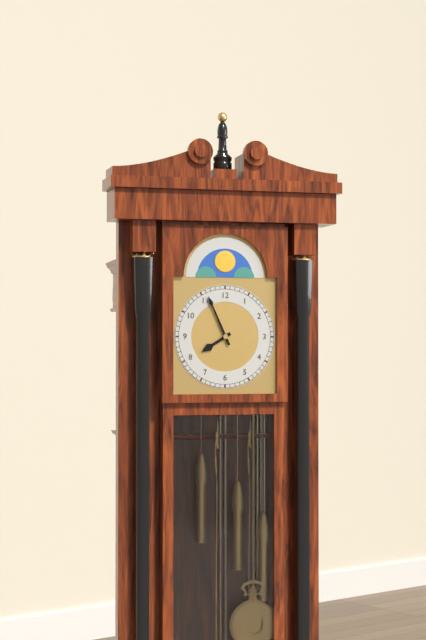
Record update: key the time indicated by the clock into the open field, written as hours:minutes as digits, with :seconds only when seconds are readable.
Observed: 7:56
